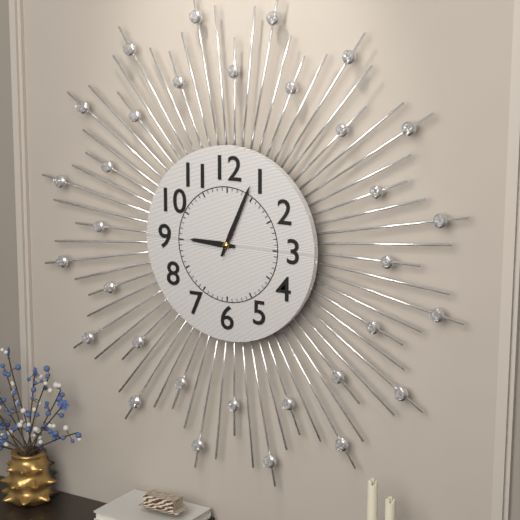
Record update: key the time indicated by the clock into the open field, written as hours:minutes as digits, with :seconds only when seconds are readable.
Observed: 9:04
